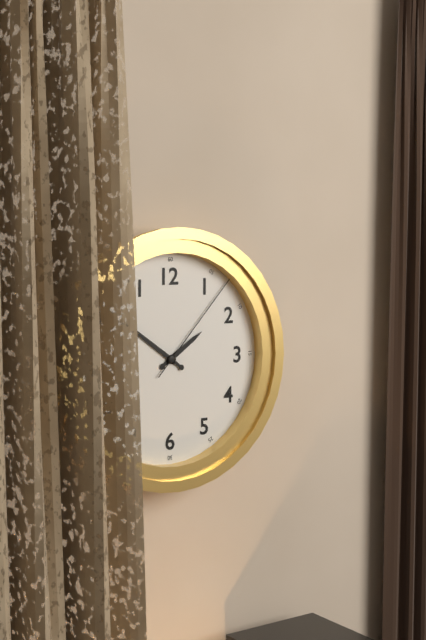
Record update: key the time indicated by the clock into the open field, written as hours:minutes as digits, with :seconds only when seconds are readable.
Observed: 1:51:07
